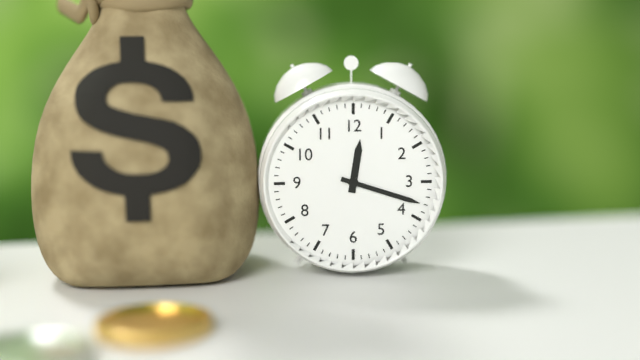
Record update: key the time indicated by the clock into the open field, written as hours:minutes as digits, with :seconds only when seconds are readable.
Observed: 12:18
